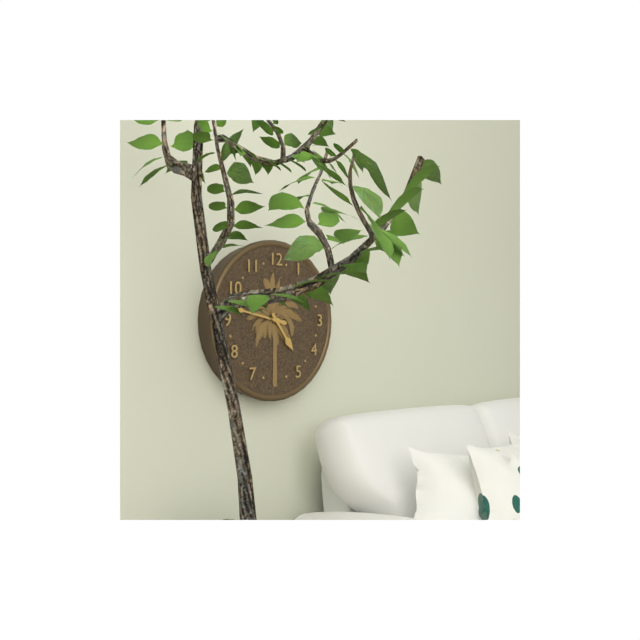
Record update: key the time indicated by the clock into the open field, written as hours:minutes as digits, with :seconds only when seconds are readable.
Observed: 4:47
